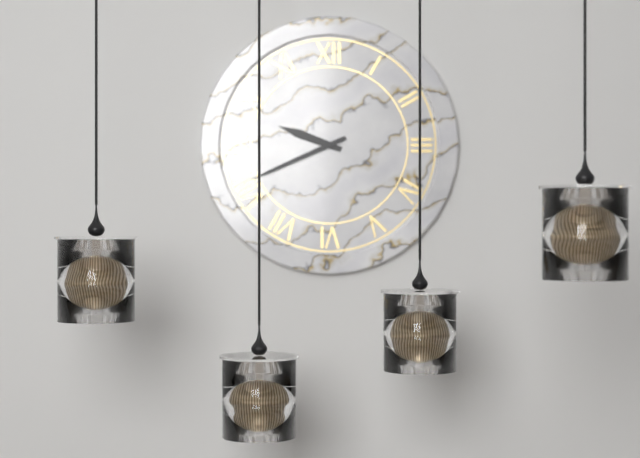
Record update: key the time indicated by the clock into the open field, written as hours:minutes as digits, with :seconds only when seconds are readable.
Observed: 9:41
